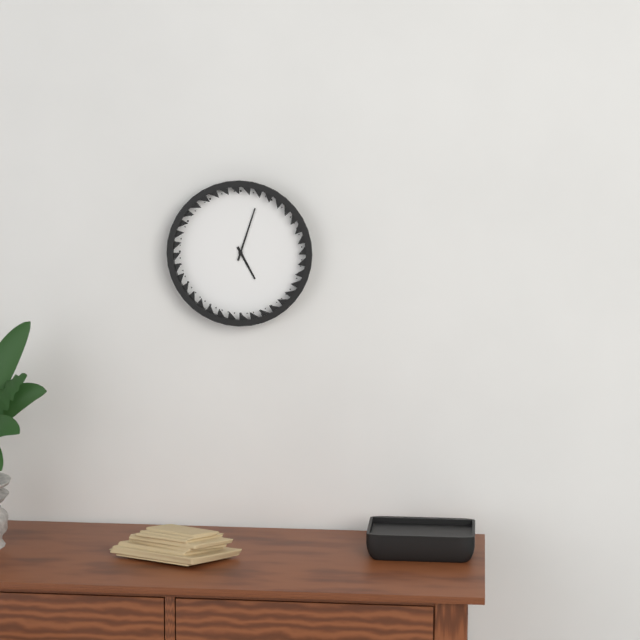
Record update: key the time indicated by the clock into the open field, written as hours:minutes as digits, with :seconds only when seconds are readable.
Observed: 5:03
